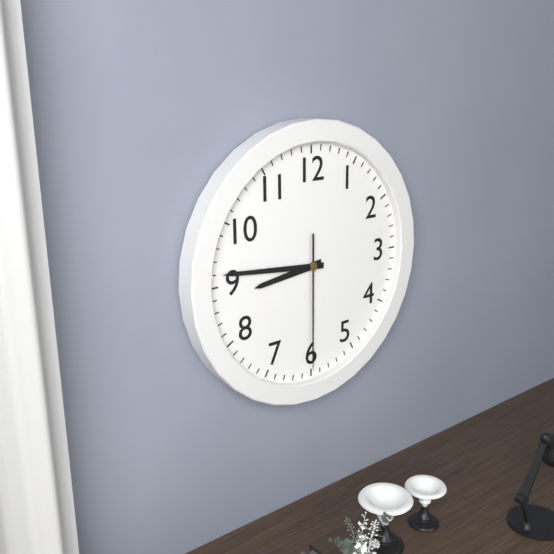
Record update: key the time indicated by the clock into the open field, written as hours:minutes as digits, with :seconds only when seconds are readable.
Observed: 8:46:30
